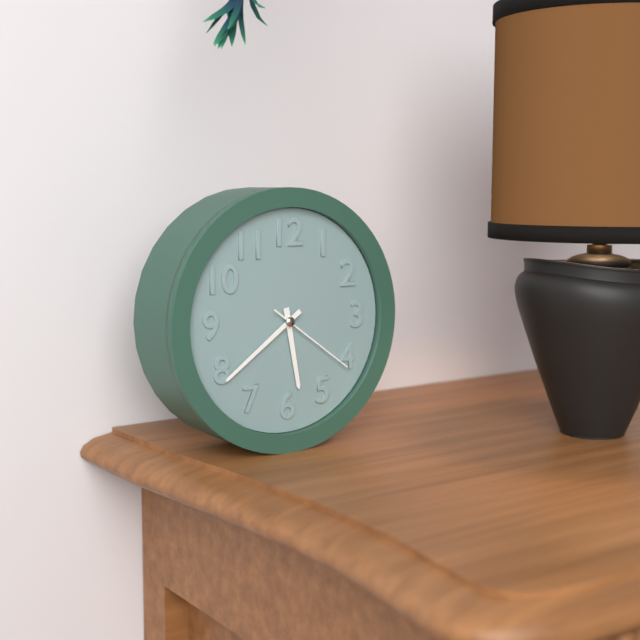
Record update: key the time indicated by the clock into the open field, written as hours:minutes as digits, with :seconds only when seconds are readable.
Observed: 5:39:21
